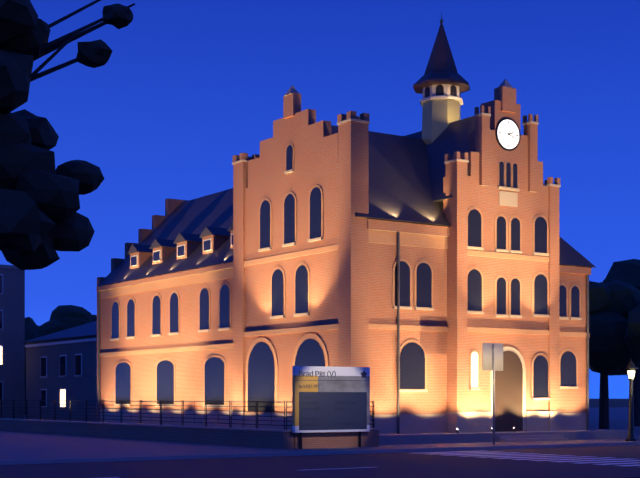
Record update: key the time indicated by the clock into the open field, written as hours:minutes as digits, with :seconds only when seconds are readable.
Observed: 2:19
